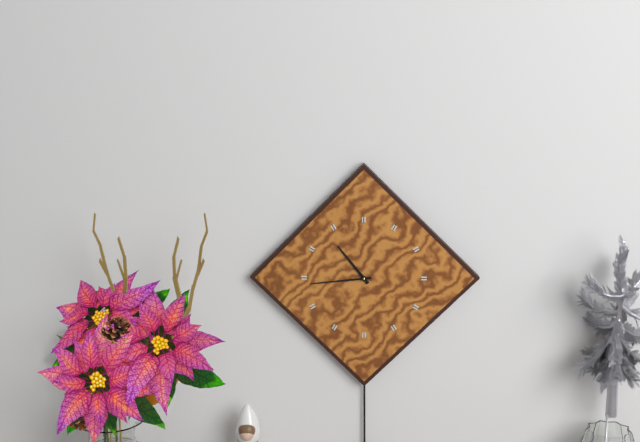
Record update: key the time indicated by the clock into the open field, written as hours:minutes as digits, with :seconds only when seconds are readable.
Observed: 10:44
